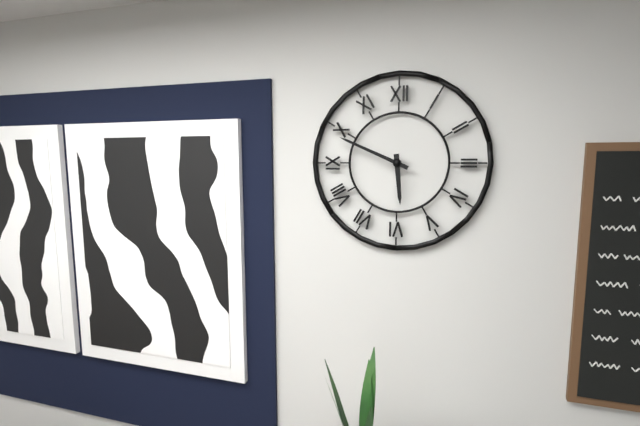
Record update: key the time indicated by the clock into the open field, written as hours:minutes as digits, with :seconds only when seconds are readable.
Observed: 5:49
